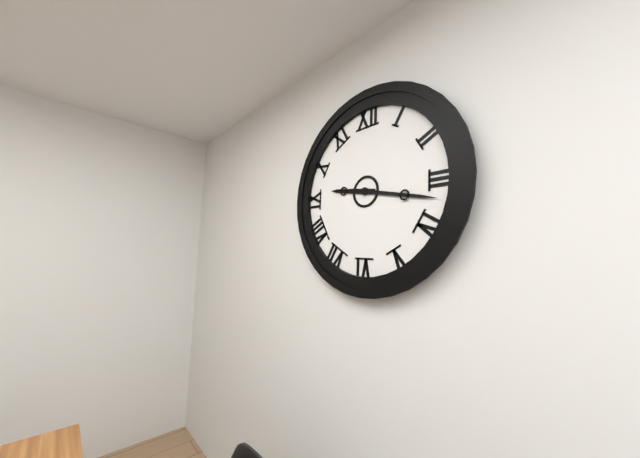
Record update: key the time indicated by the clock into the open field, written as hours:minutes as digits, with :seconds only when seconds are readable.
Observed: 9:17
